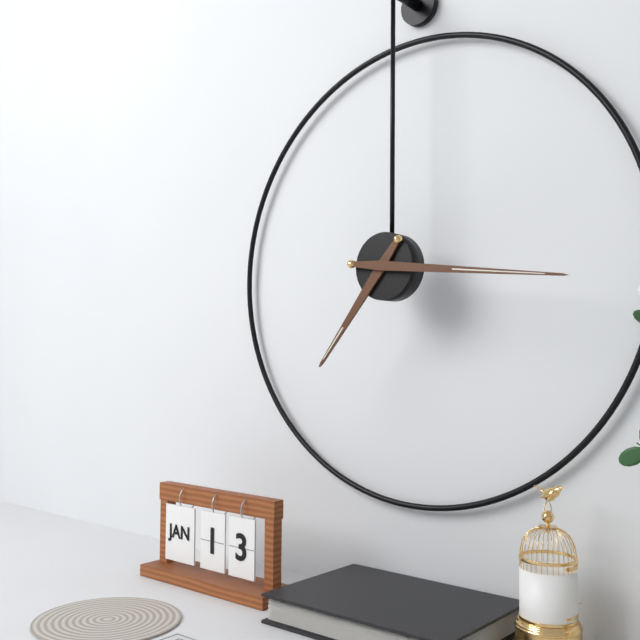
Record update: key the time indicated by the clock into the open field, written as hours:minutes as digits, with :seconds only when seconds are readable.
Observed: 7:16
